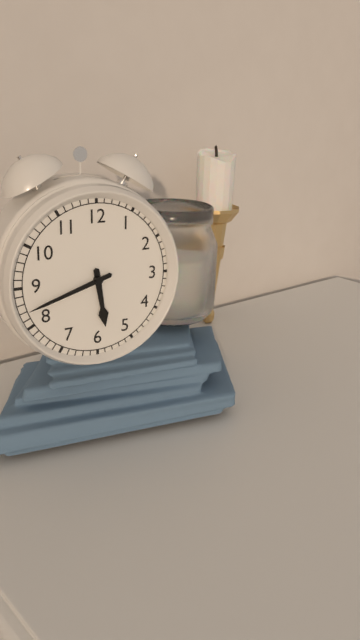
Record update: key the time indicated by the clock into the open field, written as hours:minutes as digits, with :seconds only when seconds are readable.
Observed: 5:42
